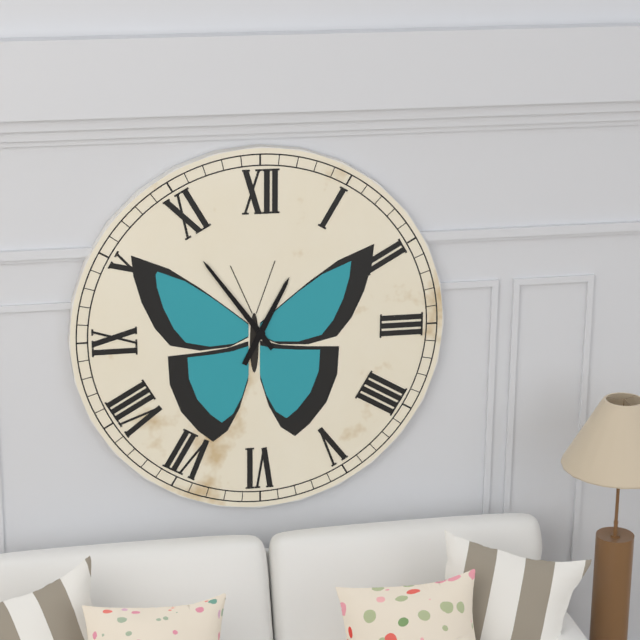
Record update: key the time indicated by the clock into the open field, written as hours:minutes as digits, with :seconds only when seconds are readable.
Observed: 12:54
